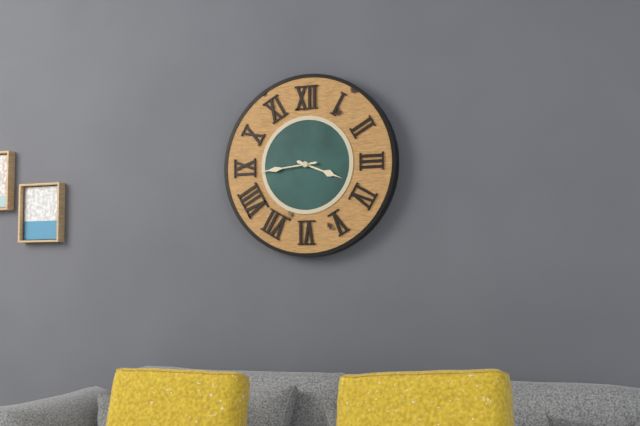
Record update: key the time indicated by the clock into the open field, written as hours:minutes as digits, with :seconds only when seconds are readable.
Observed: 3:44
